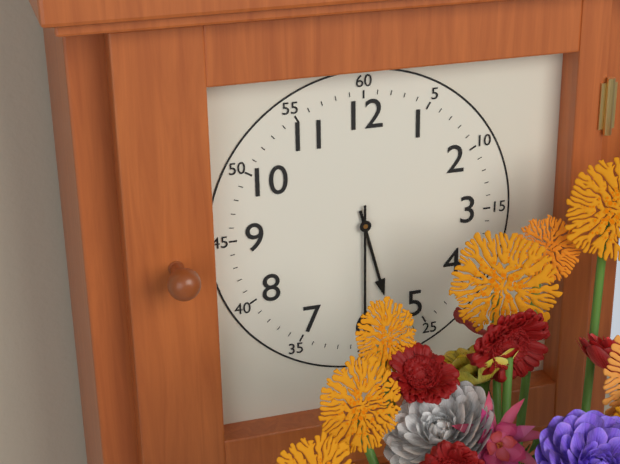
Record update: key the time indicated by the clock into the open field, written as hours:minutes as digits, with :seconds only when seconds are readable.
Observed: 5:30
